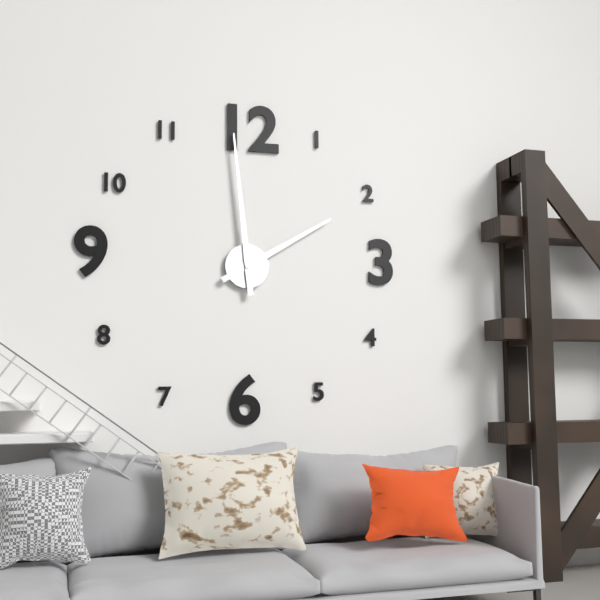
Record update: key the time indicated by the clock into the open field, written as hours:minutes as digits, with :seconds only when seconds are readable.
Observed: 1:59
